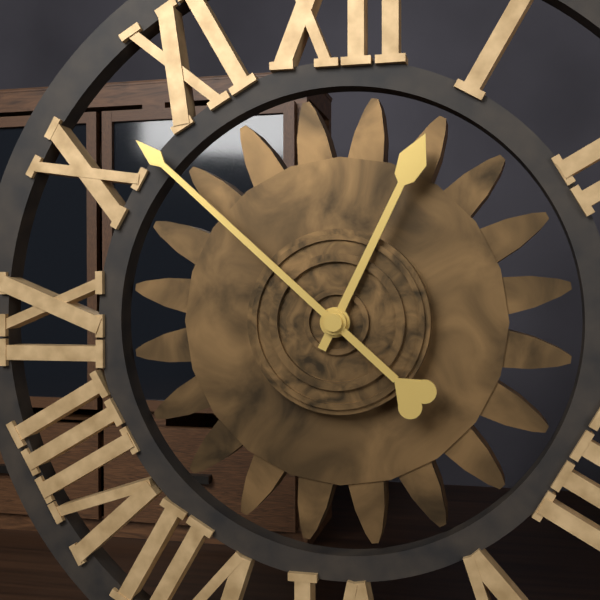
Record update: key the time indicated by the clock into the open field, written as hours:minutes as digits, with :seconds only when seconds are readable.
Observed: 12:52
